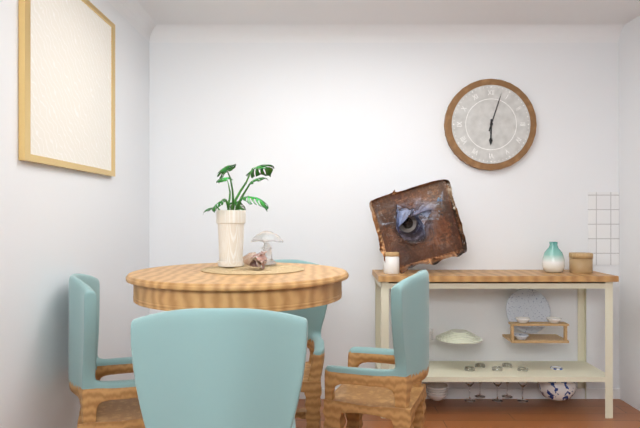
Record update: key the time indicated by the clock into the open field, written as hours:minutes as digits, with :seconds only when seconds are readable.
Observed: 6:03
